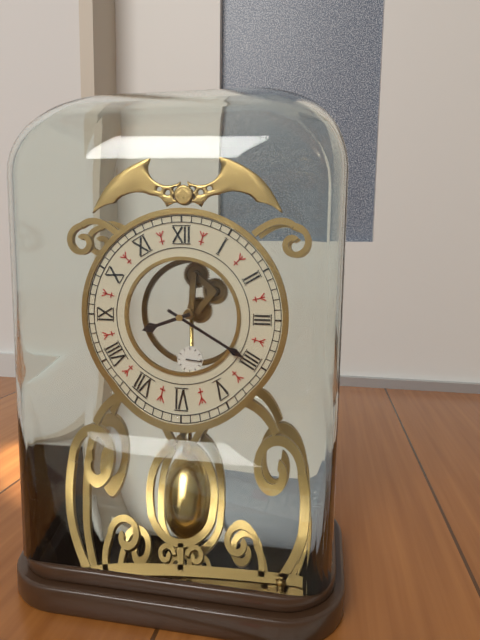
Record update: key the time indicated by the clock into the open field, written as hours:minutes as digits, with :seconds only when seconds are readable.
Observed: 8:20
